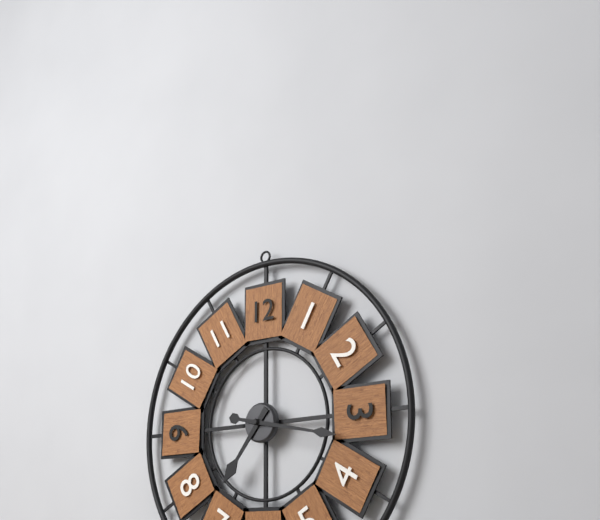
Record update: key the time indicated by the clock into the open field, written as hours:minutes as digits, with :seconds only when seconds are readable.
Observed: 7:17
